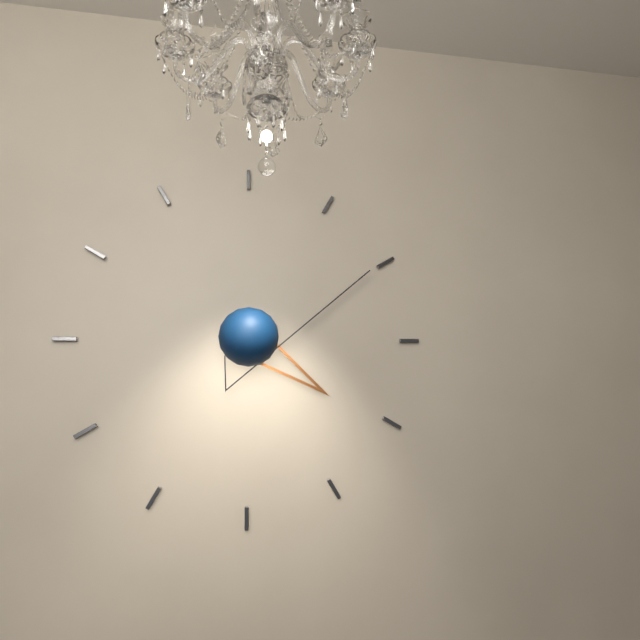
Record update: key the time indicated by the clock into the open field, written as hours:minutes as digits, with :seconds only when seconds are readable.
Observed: 4:10
